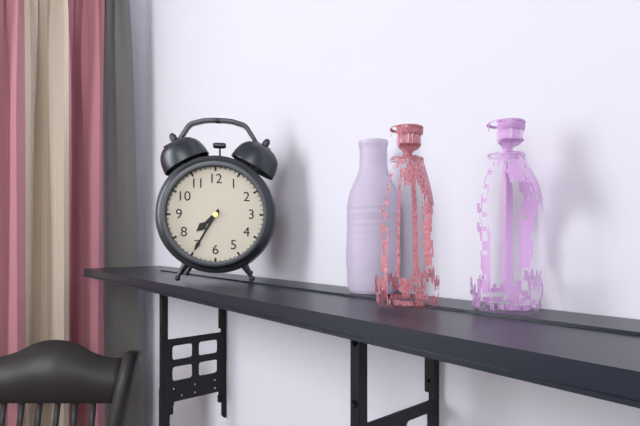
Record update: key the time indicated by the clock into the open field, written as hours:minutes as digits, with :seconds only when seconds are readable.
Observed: 7:35
